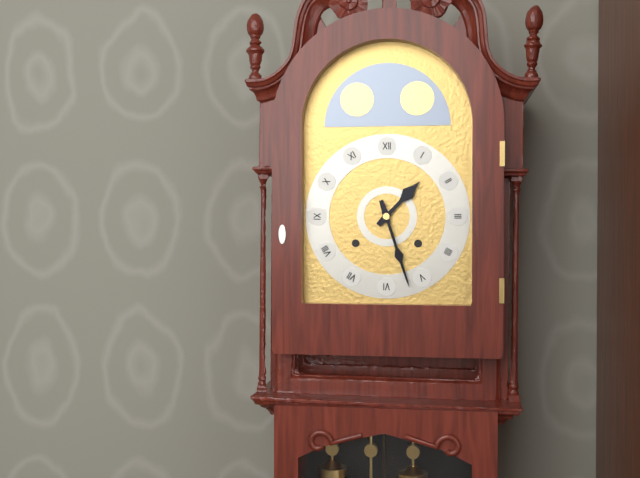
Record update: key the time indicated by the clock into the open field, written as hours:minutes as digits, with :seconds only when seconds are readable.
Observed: 1:27
